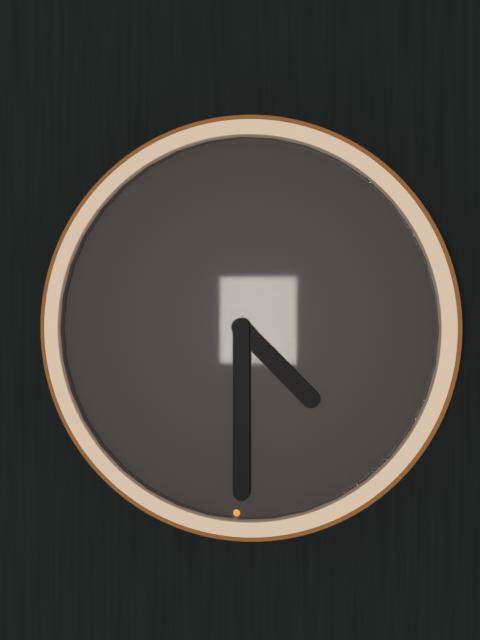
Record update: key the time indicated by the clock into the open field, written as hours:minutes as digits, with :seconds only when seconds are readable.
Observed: 4:30
